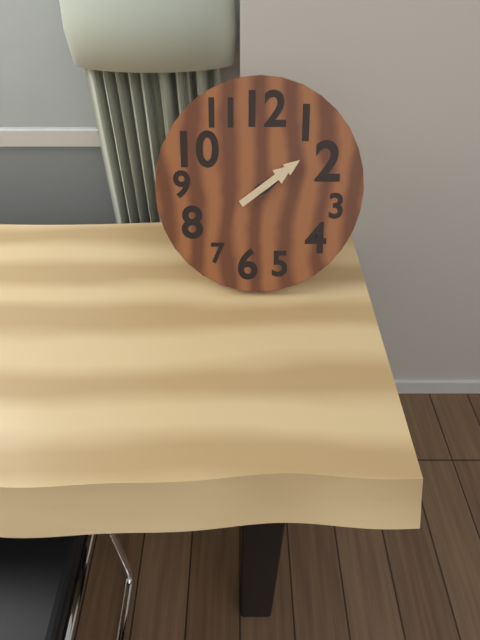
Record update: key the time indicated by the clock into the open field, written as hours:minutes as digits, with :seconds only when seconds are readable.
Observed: 2:09
